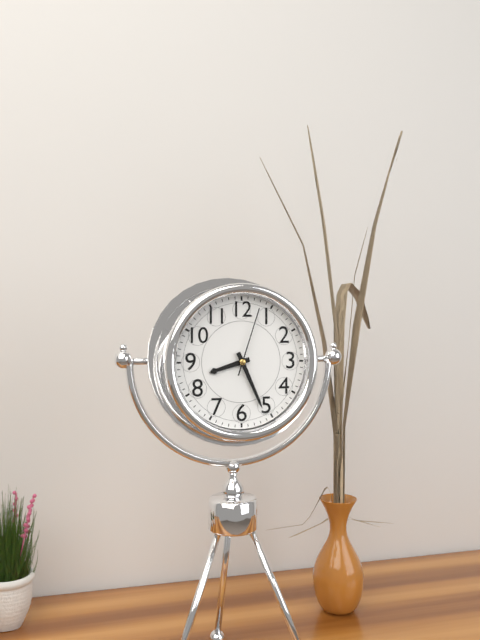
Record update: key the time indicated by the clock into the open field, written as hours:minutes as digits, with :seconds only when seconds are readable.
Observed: 8:26:03
